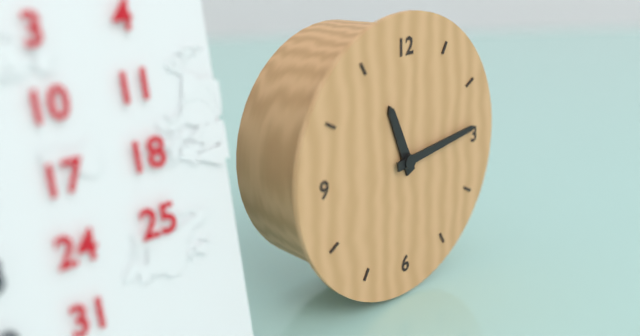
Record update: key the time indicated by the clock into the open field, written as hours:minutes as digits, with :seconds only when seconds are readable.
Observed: 11:14
